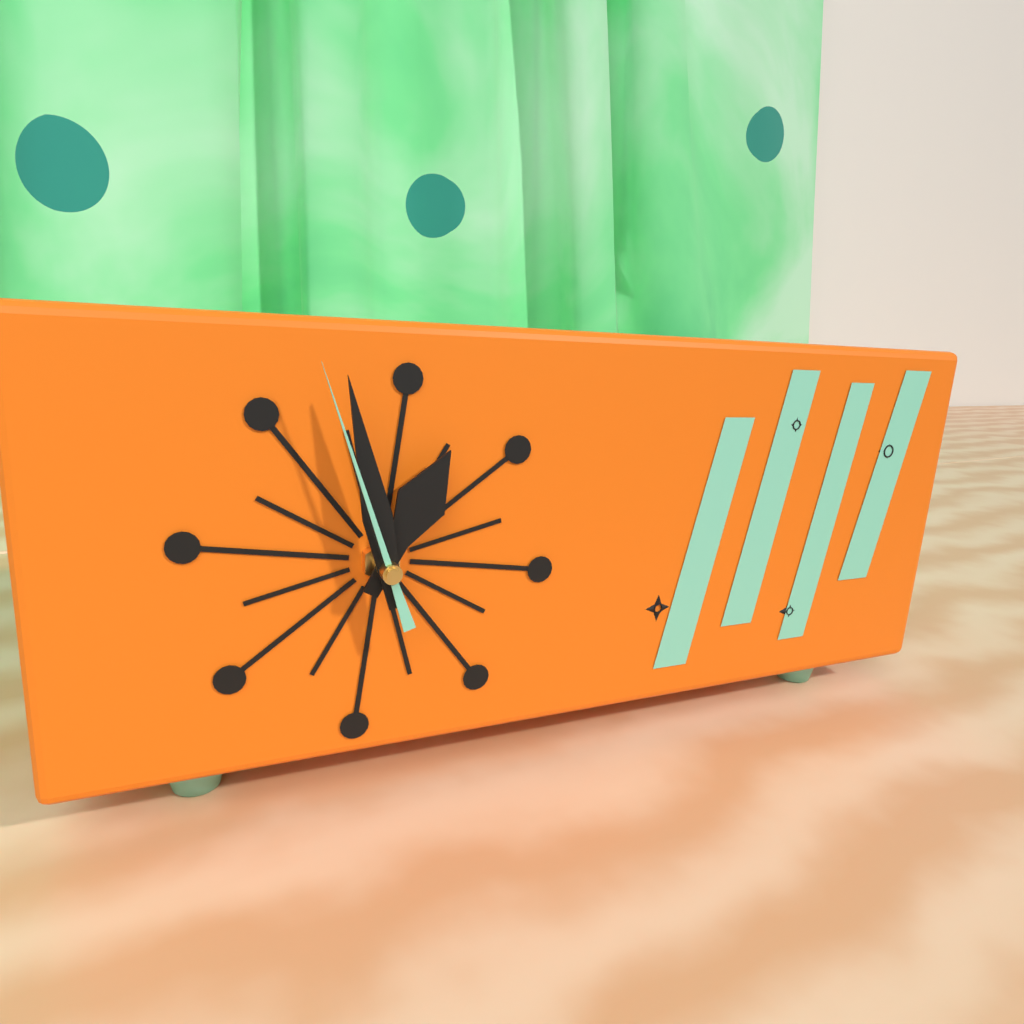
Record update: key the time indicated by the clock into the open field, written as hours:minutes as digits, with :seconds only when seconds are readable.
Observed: 12:58:57
